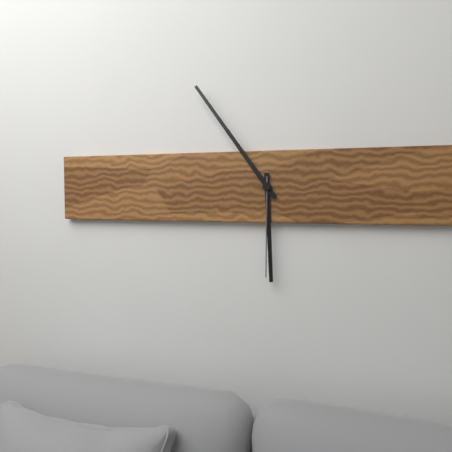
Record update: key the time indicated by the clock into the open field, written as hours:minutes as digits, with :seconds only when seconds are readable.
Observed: 5:54:30
